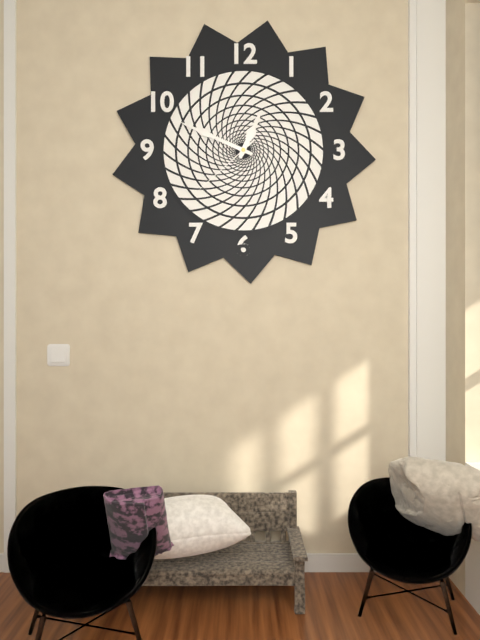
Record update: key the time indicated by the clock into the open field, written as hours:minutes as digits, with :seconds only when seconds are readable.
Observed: 12:49:38
